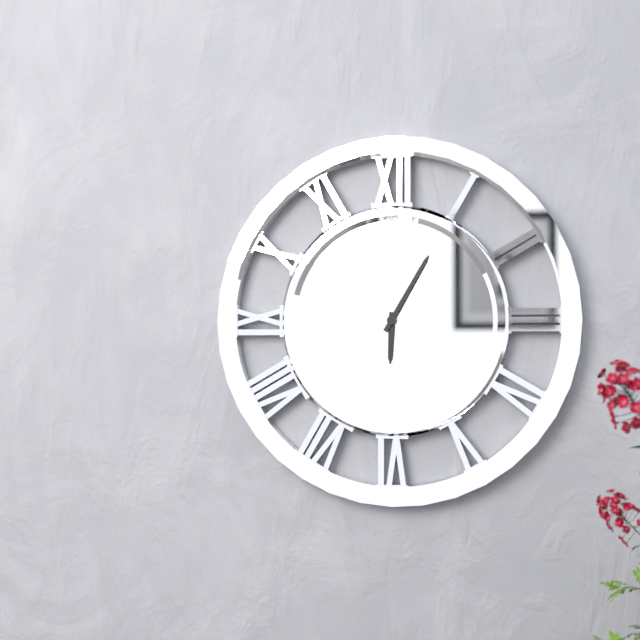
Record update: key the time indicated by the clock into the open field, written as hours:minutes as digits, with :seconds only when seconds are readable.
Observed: 6:05
